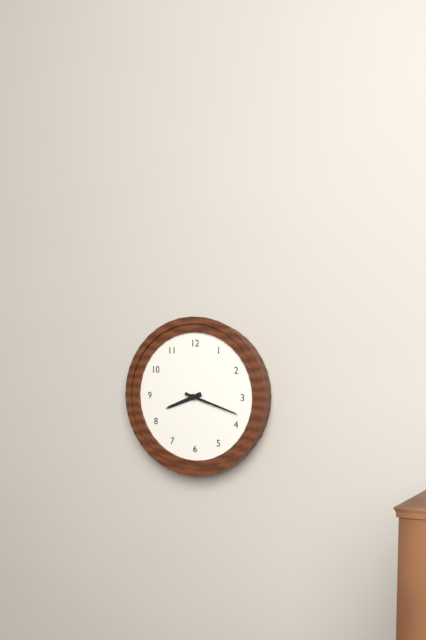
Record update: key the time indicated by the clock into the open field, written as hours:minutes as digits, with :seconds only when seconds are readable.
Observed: 8:18
